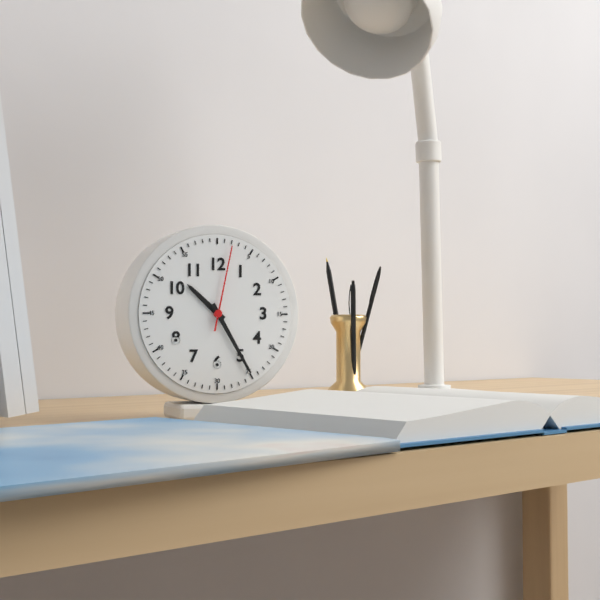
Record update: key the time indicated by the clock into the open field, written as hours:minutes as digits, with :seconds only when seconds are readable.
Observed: 10:25:02
